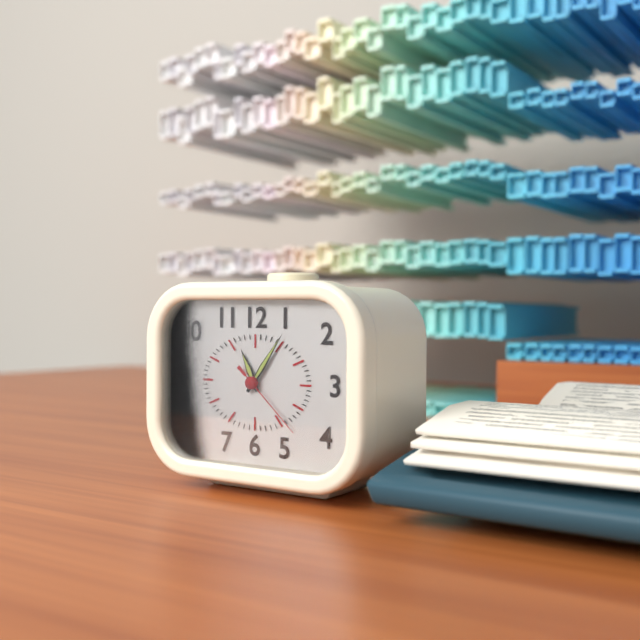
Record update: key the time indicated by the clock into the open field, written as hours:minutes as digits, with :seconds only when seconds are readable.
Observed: 11:06:22
